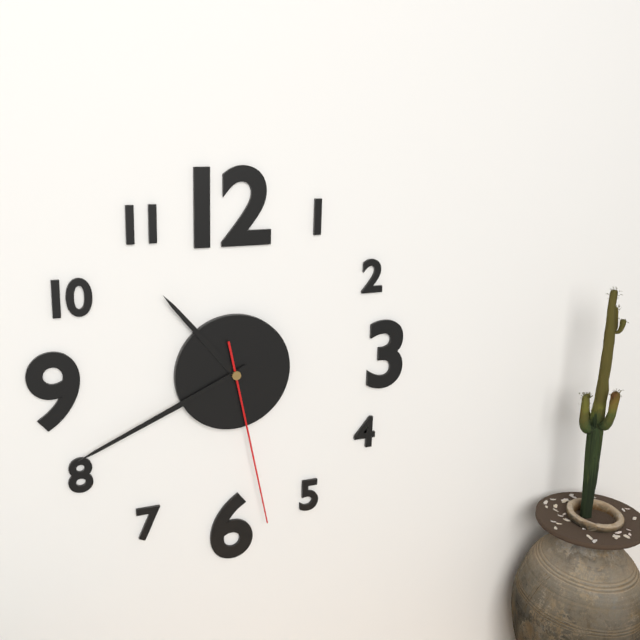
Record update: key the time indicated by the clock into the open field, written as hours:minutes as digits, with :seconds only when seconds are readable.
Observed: 10:41:28
